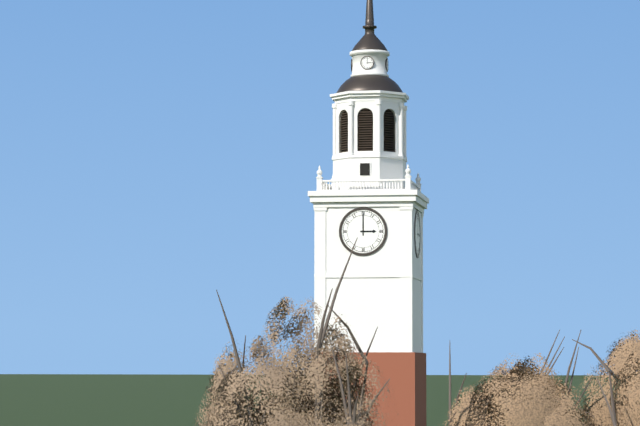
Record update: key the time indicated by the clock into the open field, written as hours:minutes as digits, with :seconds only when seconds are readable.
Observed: 3:00
